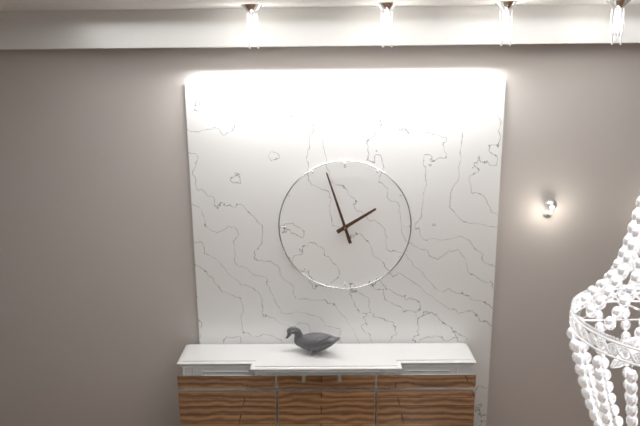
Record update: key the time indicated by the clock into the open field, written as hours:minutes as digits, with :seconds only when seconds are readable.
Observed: 1:57
